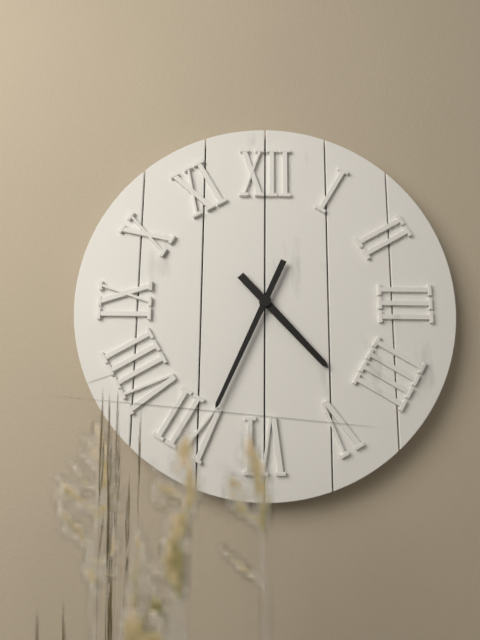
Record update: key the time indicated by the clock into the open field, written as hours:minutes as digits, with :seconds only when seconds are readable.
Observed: 4:34
